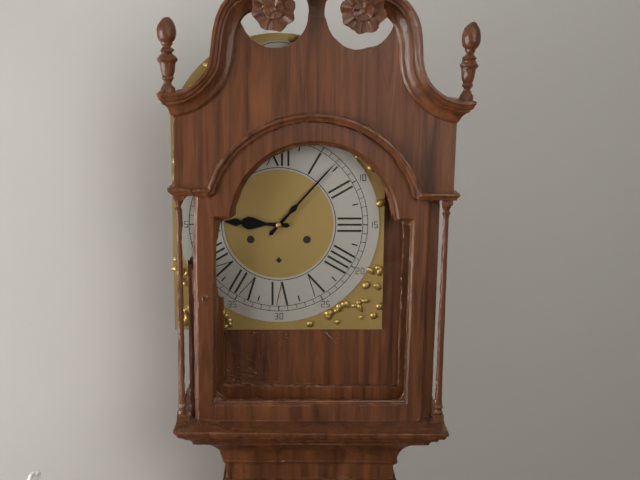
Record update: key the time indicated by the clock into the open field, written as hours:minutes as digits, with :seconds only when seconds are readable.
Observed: 9:07
